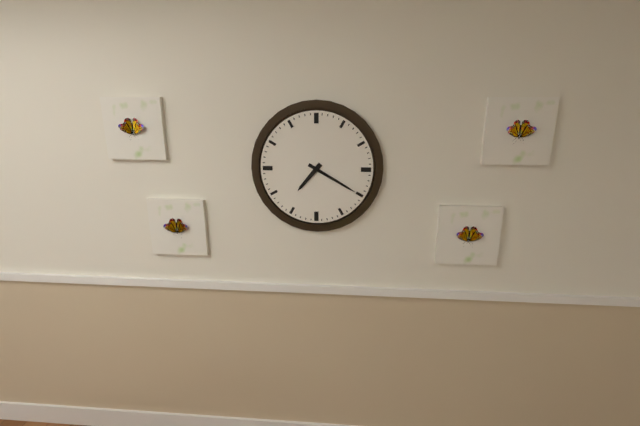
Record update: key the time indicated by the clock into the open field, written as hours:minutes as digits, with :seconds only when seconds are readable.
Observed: 7:20
